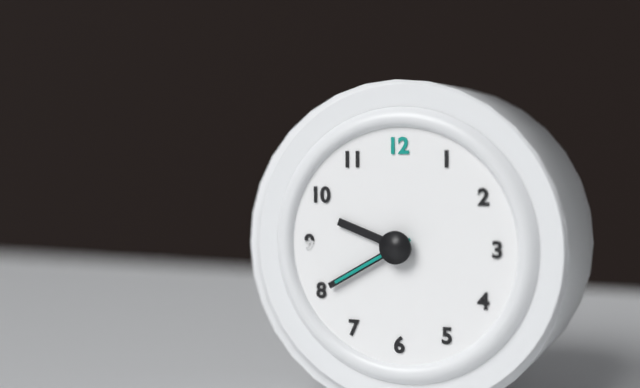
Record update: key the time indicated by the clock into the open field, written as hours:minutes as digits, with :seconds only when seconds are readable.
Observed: 9:40:40
